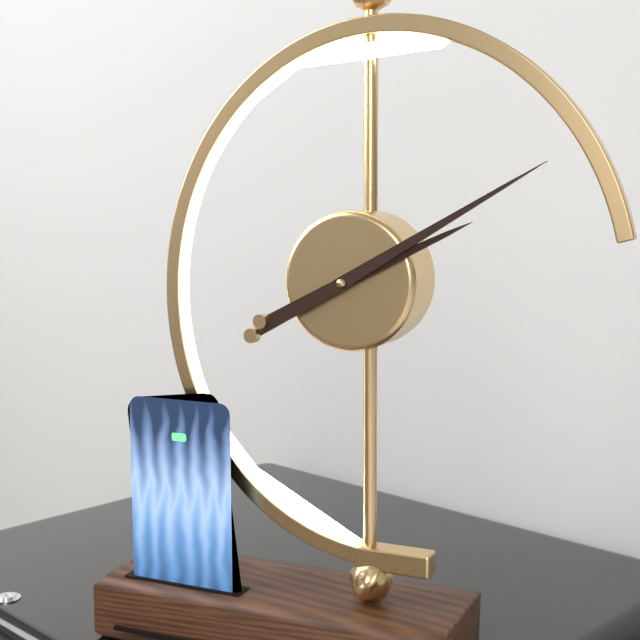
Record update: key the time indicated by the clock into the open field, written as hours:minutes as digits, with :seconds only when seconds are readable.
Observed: 2:10
